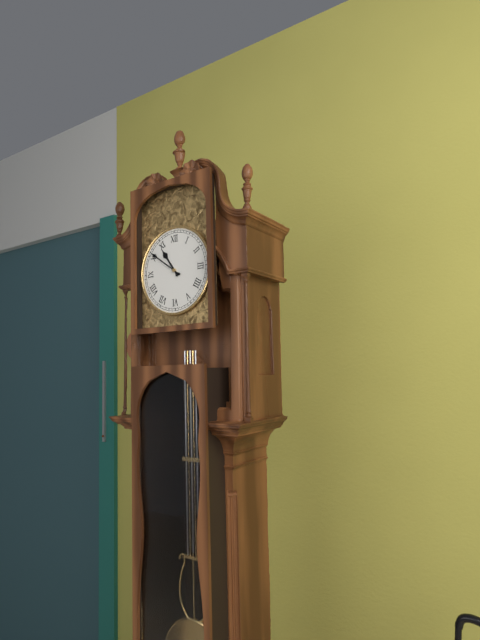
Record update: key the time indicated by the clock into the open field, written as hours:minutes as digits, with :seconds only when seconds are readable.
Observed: 10:51
